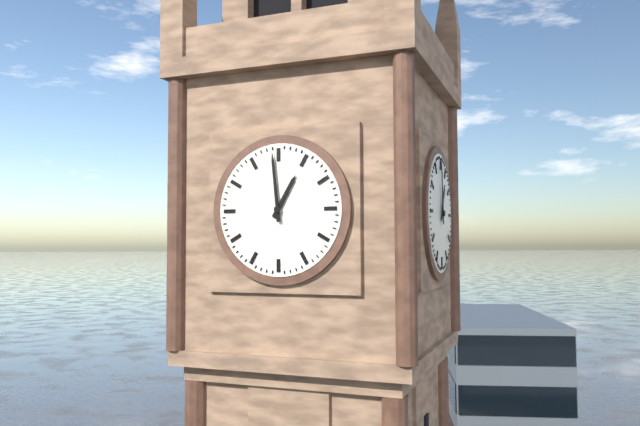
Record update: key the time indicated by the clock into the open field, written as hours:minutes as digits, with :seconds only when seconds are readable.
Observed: 12:59
